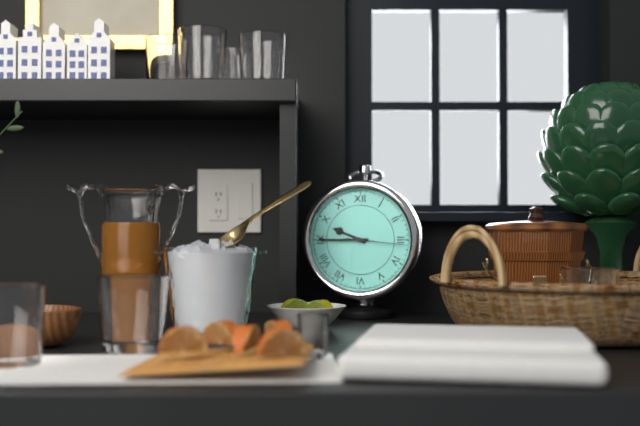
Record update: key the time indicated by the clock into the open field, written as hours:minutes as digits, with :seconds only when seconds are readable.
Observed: 9:45:16
